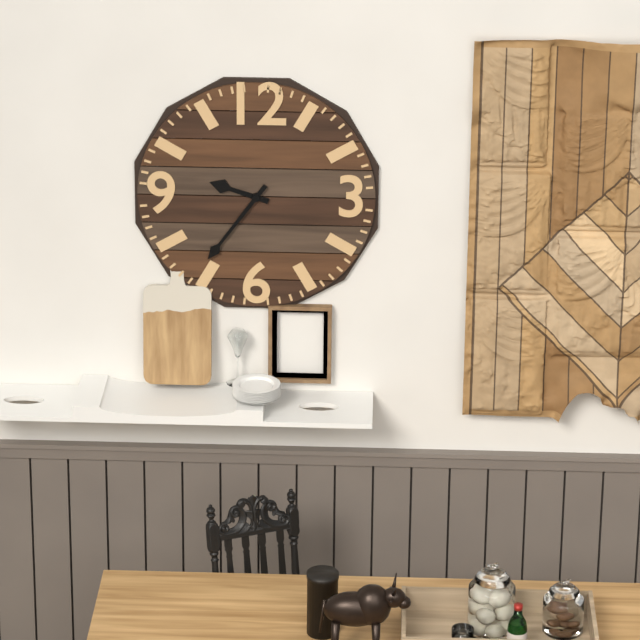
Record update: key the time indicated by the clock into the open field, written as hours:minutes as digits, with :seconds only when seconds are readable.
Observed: 9:36
